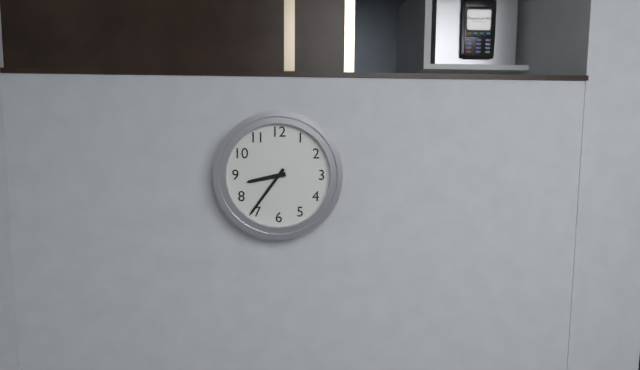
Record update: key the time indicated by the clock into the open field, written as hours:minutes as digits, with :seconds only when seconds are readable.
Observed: 8:36
